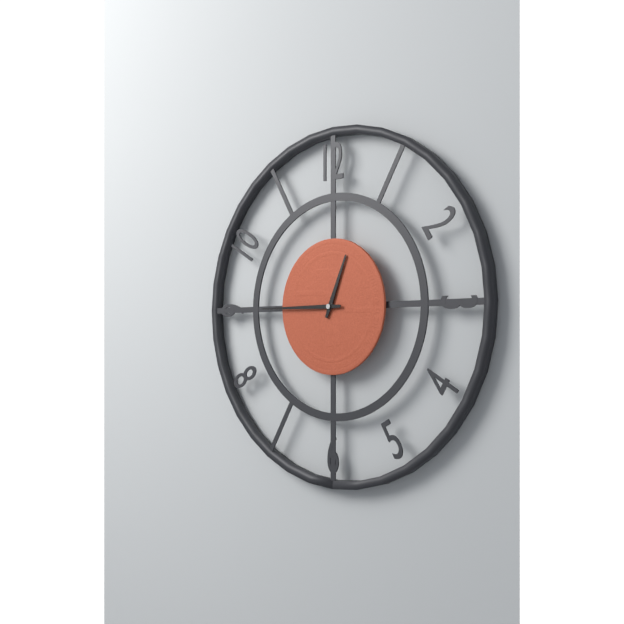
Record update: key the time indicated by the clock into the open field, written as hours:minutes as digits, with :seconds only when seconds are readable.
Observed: 12:45
